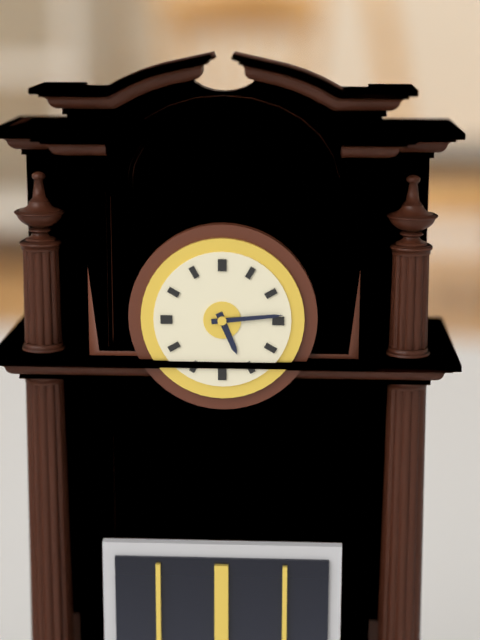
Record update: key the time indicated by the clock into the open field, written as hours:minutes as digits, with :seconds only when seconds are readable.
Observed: 5:14
